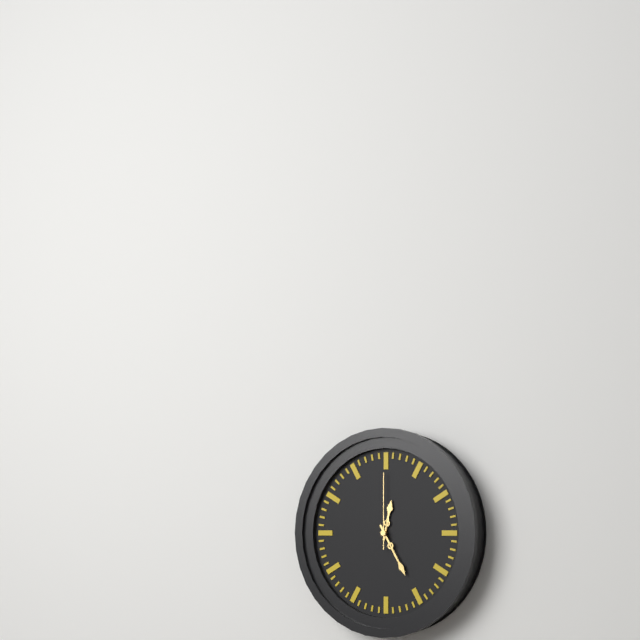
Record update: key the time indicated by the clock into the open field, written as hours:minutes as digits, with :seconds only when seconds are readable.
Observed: 12:25:00
